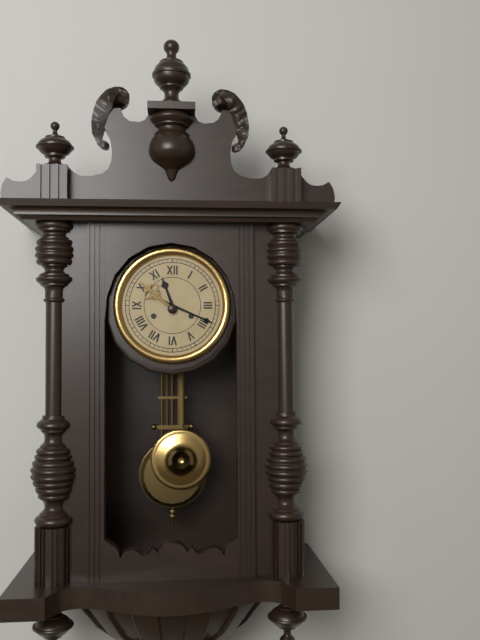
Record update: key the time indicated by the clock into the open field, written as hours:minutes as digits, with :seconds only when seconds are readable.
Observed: 11:19
